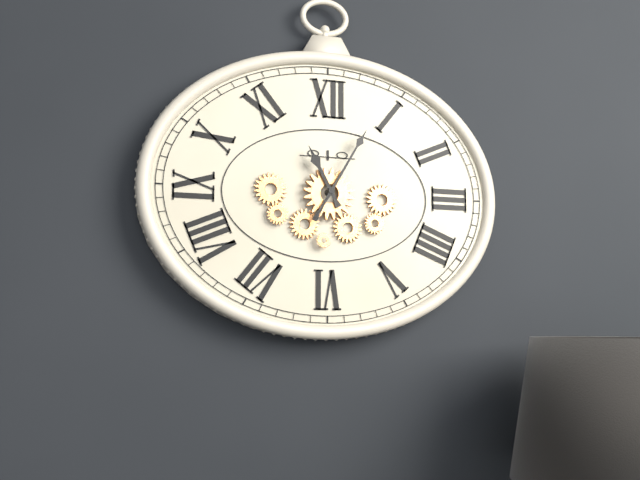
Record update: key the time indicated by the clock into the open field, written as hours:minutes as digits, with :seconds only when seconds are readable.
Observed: 11:05
